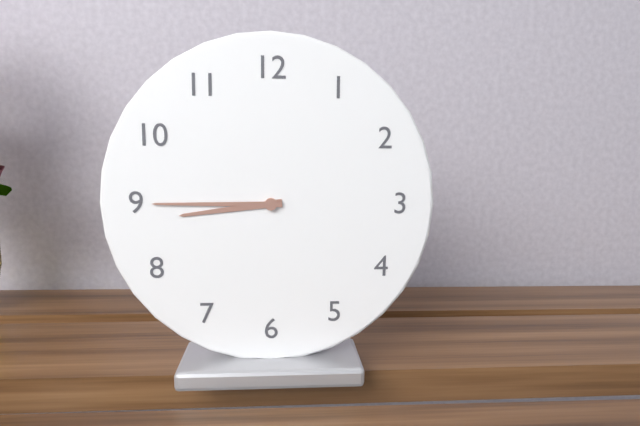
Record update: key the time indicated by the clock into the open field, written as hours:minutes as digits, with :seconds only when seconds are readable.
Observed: 8:45
